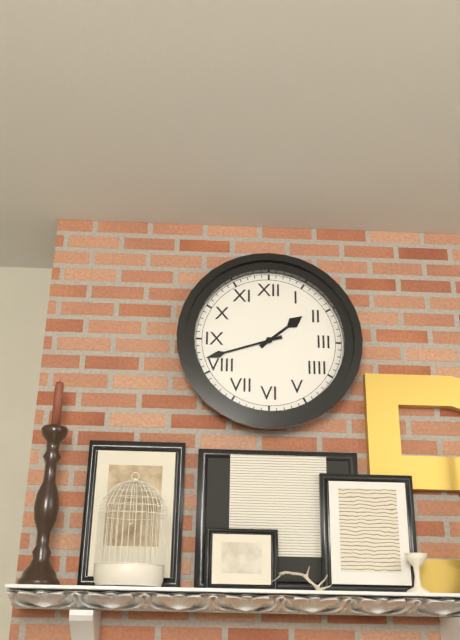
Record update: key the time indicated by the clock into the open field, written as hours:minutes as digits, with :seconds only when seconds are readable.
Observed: 1:42
